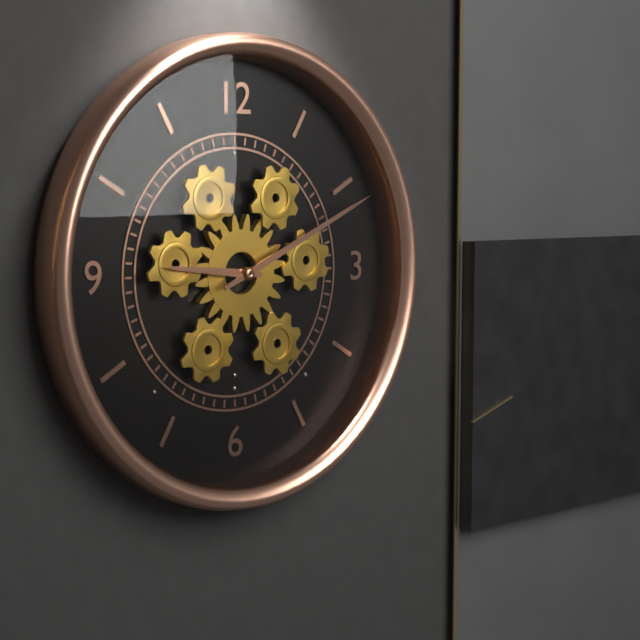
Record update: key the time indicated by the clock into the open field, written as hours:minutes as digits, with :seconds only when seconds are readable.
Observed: 9:11
